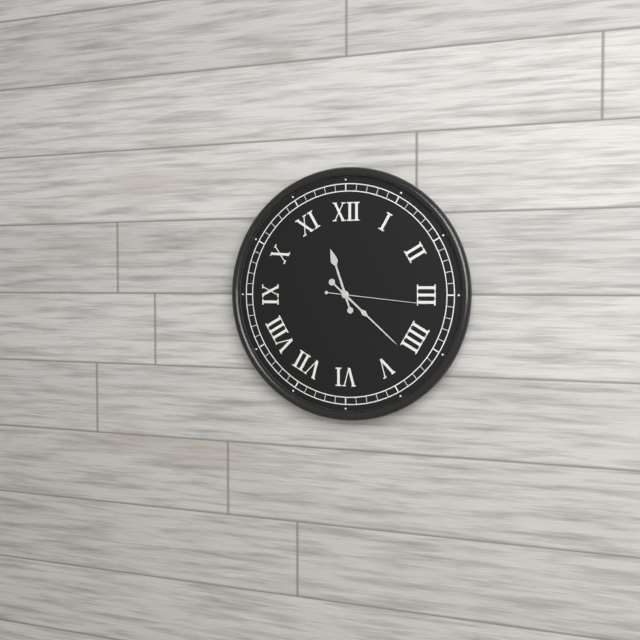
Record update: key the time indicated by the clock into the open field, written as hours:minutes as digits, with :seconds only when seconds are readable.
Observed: 11:22:16
